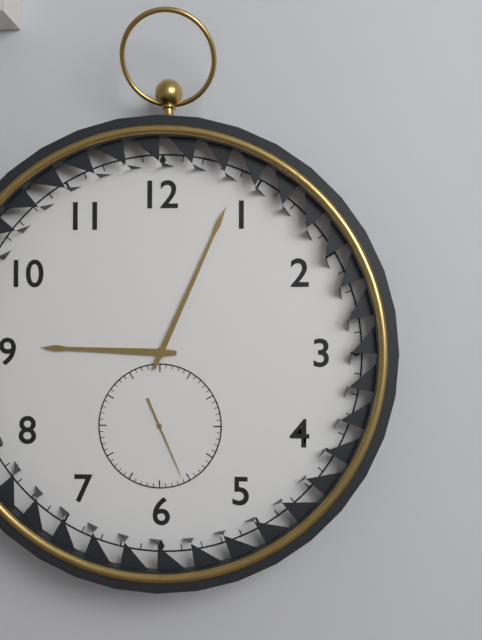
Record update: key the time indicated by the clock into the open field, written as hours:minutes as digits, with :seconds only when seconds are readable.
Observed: 9:04:26
